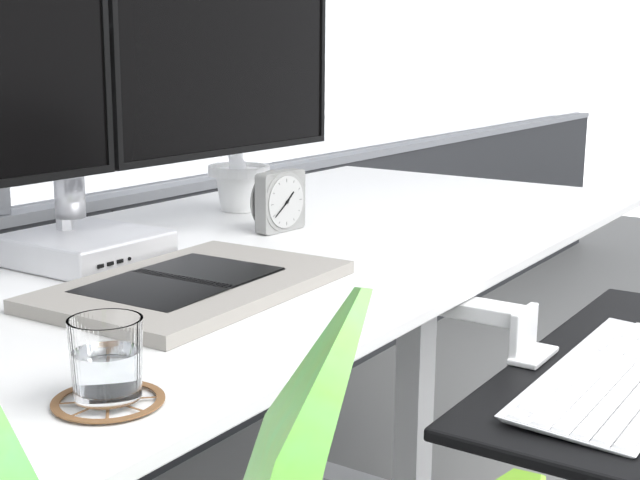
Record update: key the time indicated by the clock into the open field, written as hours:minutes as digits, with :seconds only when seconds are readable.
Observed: 1:39
